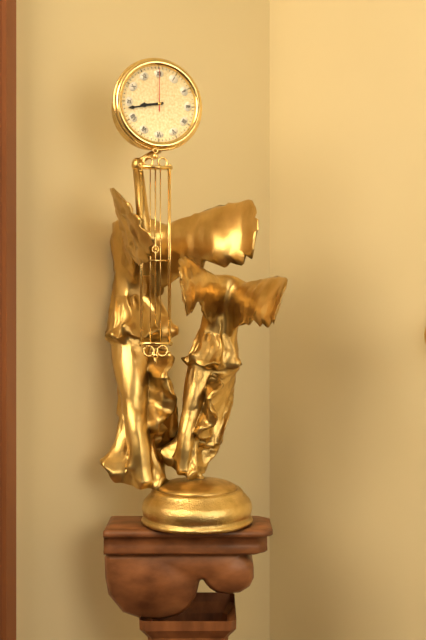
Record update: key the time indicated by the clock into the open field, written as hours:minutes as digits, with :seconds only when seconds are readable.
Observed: 8:43
